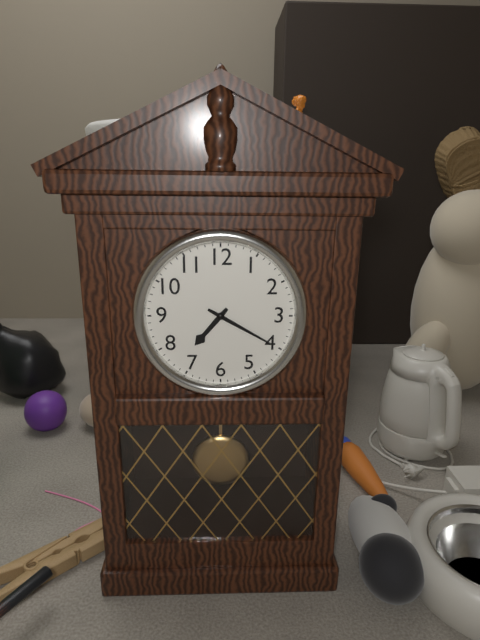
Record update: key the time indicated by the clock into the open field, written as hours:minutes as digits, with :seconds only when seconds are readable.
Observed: 7:20
